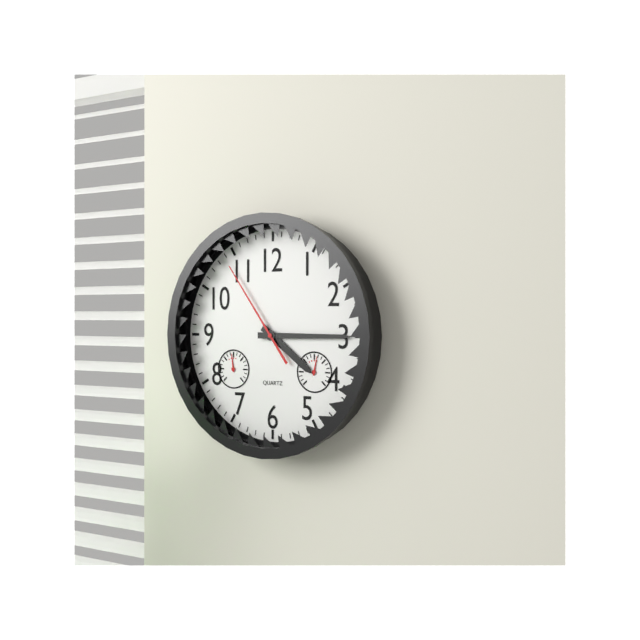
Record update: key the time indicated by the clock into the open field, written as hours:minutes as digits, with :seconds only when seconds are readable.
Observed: 4:15:54
